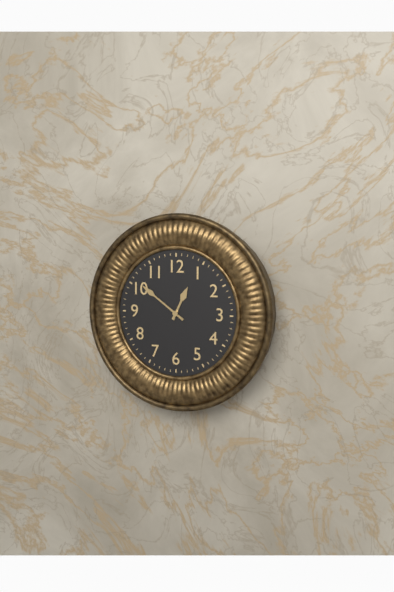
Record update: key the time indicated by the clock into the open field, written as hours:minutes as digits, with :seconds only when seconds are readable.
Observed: 12:51
